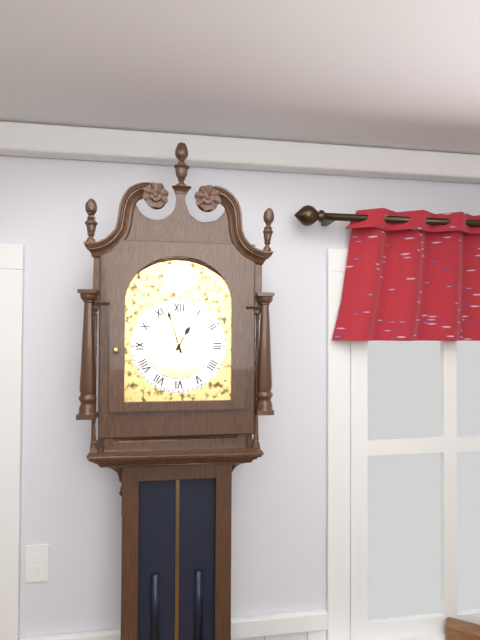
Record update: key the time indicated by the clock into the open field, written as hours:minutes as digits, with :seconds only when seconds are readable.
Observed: 12:57
